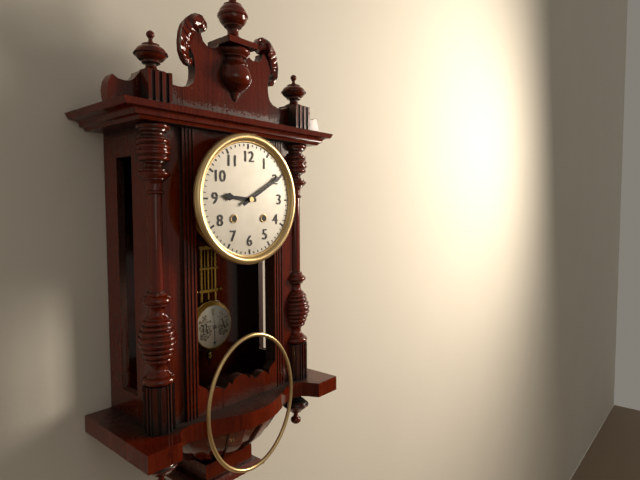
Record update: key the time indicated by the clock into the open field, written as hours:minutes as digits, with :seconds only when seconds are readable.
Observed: 9:10
